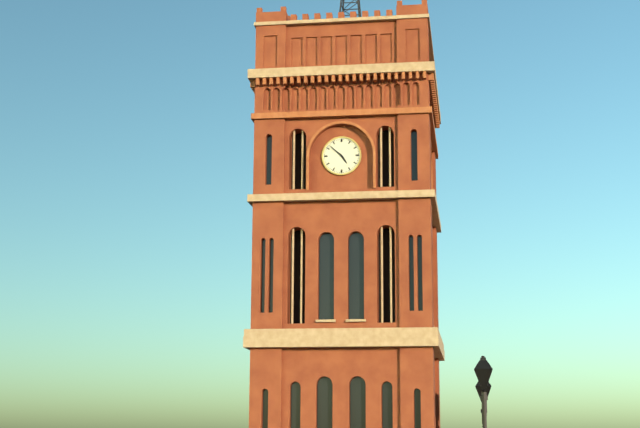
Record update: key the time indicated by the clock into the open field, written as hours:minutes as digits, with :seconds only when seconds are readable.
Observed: 4:52
